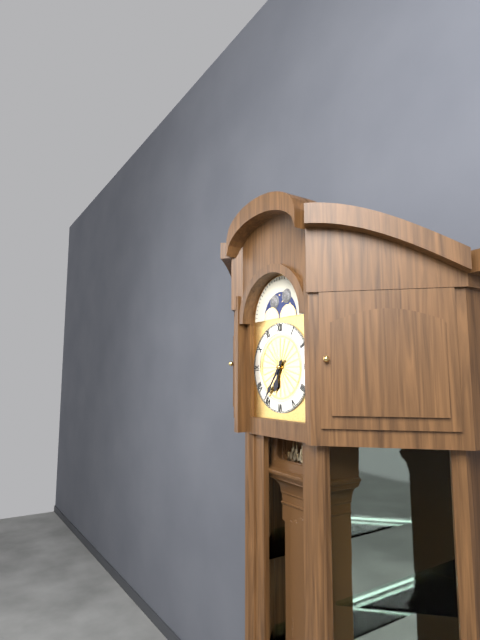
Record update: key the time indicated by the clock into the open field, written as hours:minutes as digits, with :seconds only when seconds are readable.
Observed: 6:36
